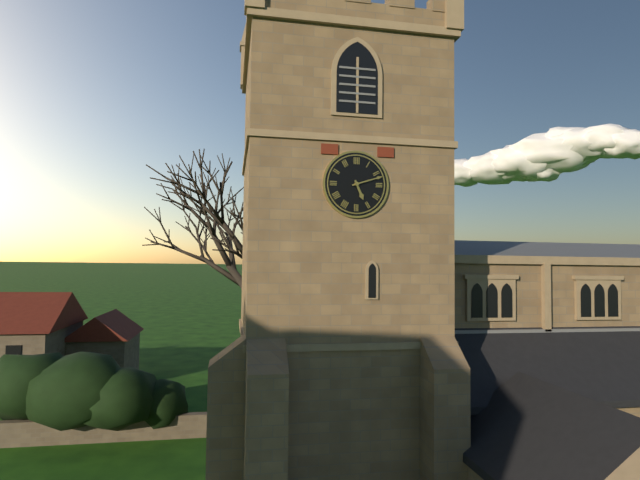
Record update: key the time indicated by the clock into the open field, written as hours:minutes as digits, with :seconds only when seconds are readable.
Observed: 5:12
